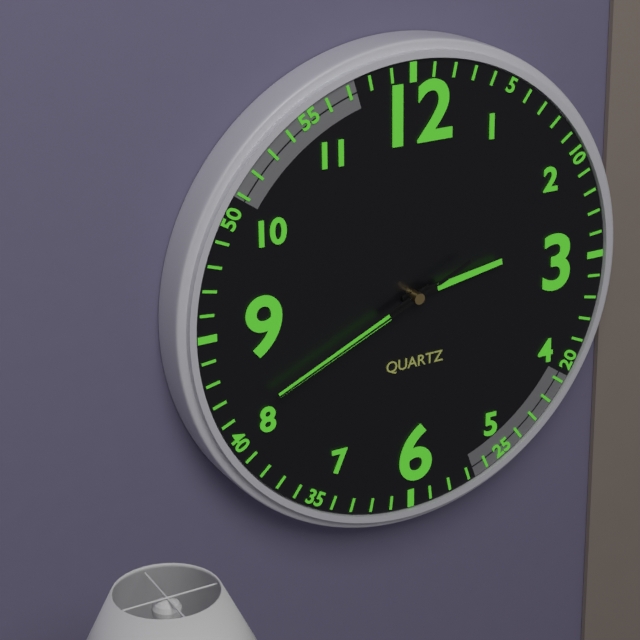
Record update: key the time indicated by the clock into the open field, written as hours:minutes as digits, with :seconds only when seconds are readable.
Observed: 2:41:41
